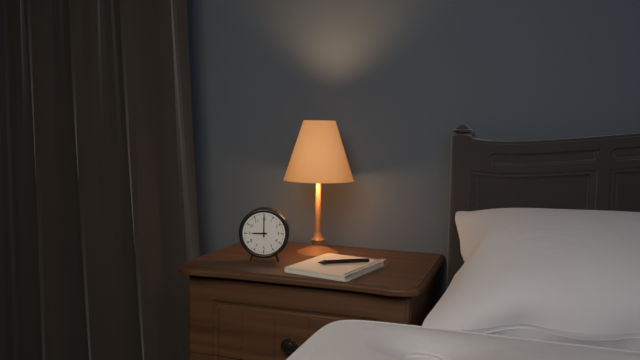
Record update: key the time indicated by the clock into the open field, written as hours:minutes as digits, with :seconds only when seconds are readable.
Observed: 9:00
